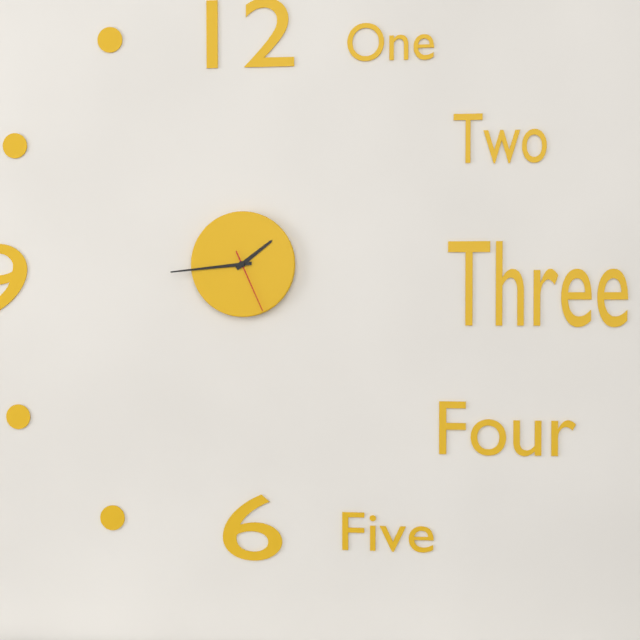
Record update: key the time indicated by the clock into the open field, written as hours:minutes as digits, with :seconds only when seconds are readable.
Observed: 1:44:26
